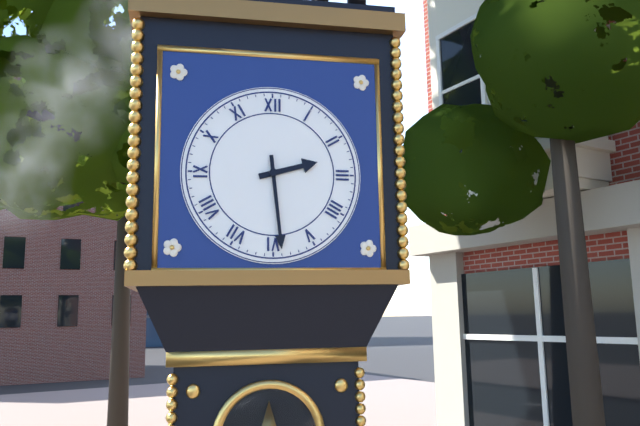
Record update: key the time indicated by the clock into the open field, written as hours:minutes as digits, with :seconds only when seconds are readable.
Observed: 2:29
